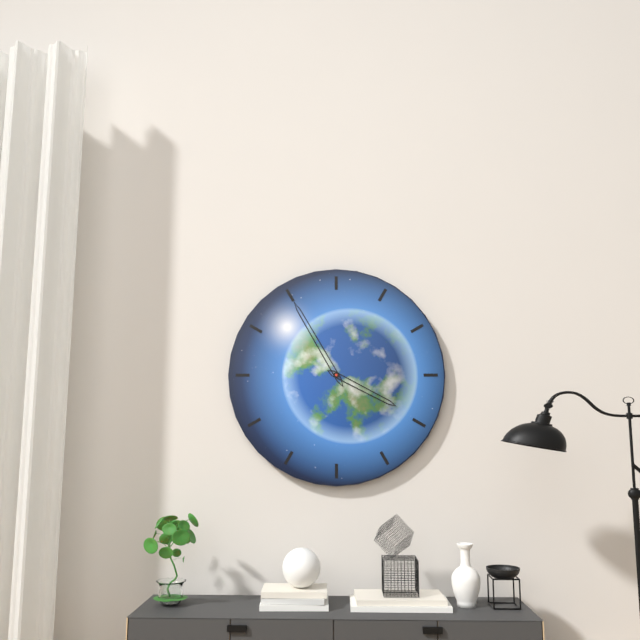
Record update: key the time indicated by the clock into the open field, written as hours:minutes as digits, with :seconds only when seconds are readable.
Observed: 3:55
